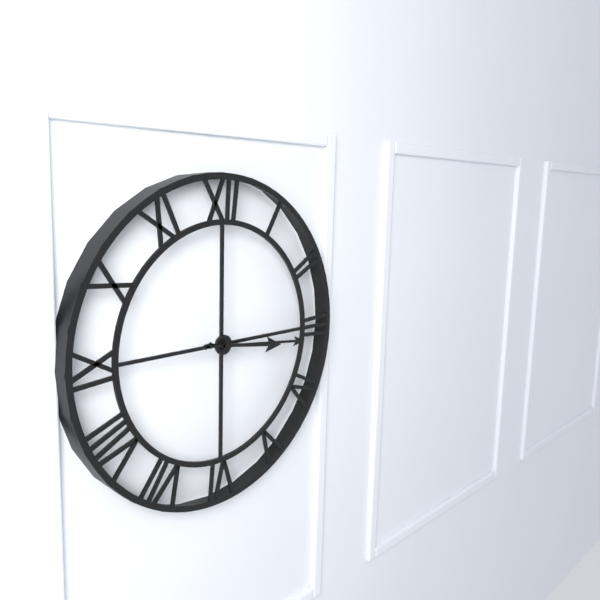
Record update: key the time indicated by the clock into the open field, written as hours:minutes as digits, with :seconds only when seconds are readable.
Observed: 3:16
